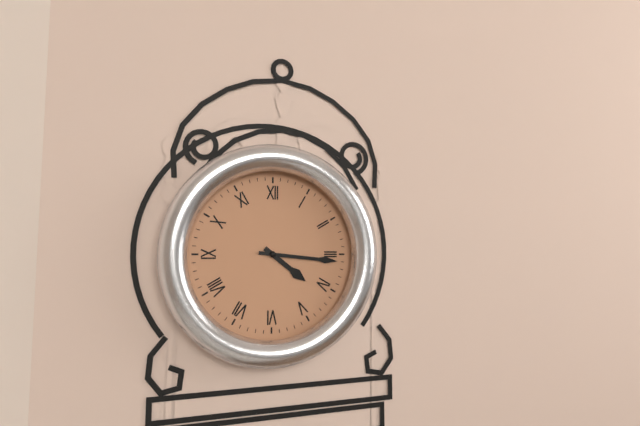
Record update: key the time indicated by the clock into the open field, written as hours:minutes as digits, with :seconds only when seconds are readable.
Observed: 4:16
